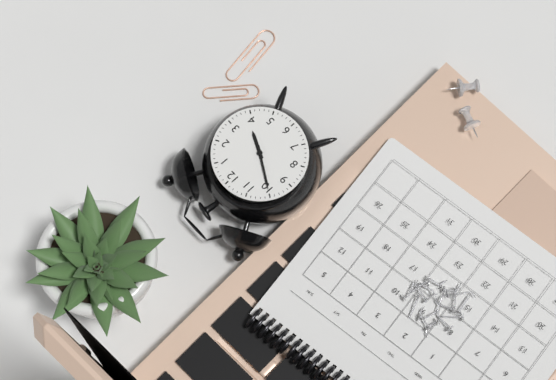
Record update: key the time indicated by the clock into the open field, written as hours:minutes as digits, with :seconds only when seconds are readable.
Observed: 3:50
